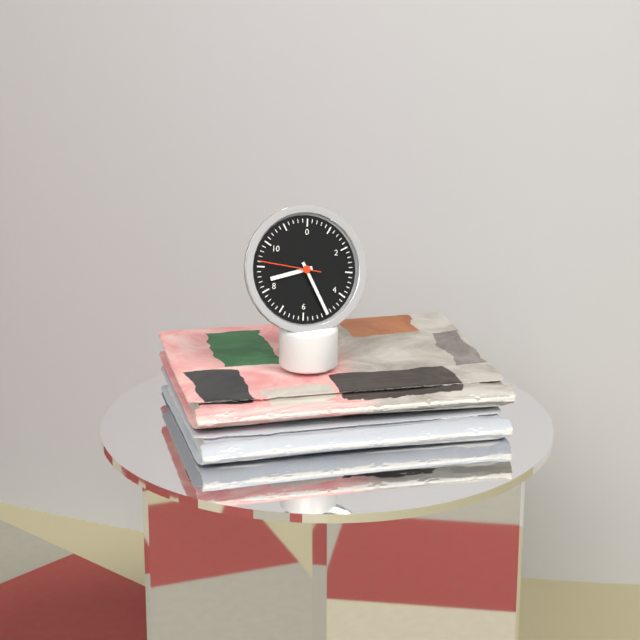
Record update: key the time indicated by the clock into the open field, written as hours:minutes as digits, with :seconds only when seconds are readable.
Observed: 8:25:46
